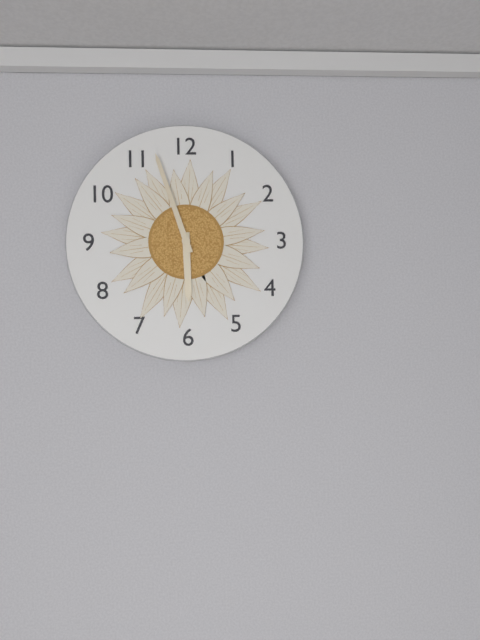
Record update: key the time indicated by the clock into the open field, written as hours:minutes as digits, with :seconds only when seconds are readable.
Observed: 5:57
